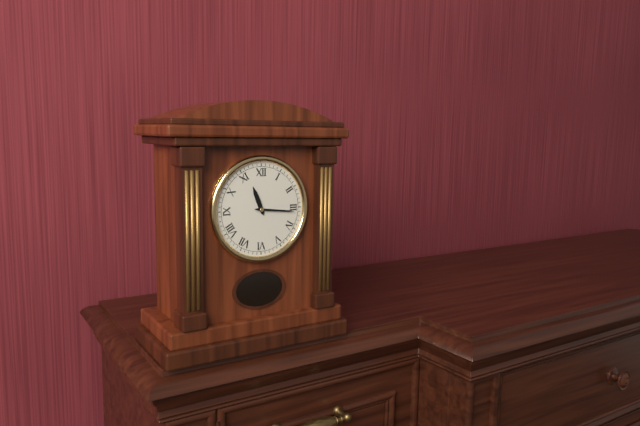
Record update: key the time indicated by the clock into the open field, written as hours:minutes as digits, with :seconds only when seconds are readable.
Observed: 11:16
